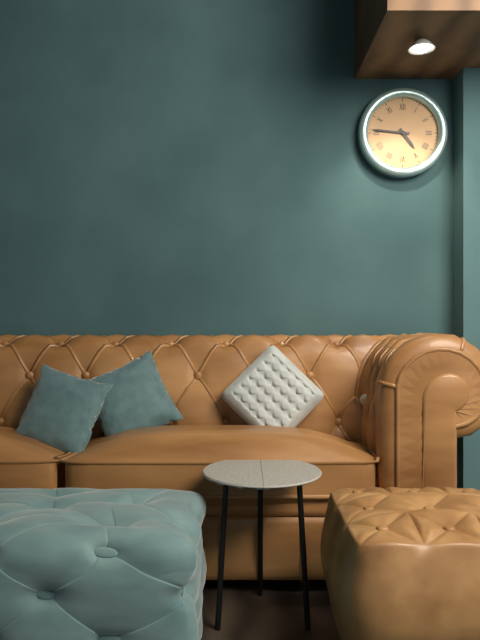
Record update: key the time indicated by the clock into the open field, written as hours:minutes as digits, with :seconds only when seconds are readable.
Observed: 4:46
